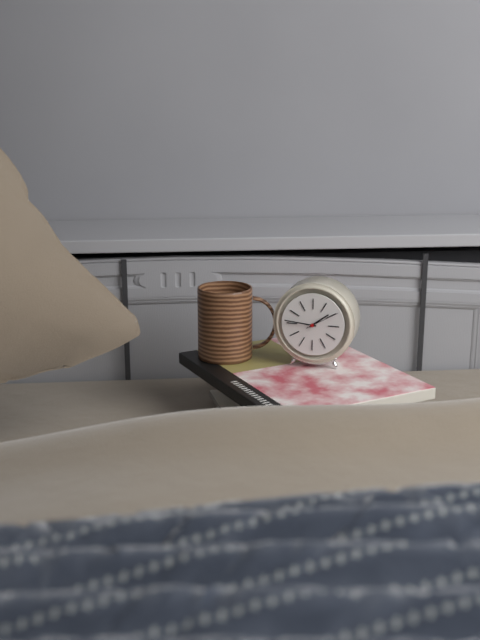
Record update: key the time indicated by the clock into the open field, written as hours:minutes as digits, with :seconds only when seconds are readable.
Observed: 1:46
